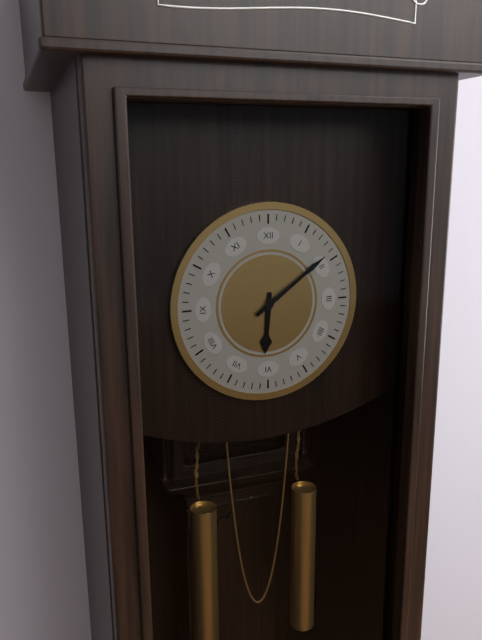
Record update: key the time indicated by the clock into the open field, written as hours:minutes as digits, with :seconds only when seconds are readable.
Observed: 6:09
